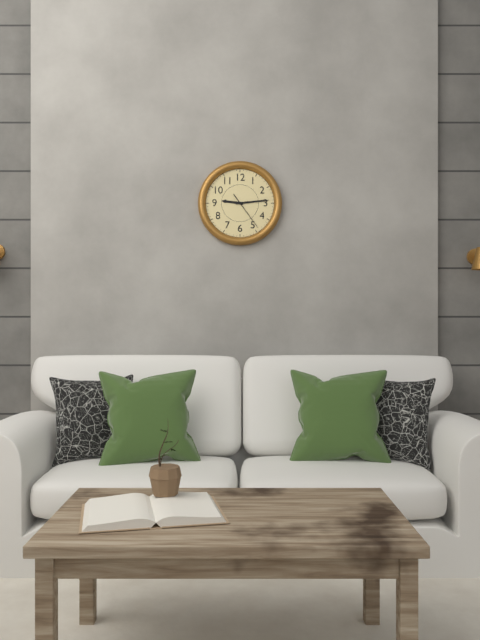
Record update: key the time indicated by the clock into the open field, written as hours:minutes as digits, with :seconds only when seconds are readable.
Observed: 9:14
